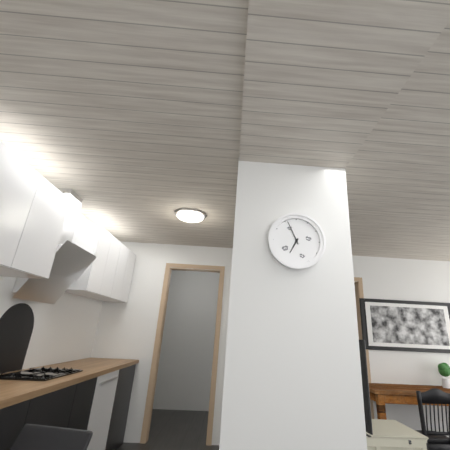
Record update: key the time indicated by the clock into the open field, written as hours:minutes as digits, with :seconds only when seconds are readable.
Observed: 6:56
